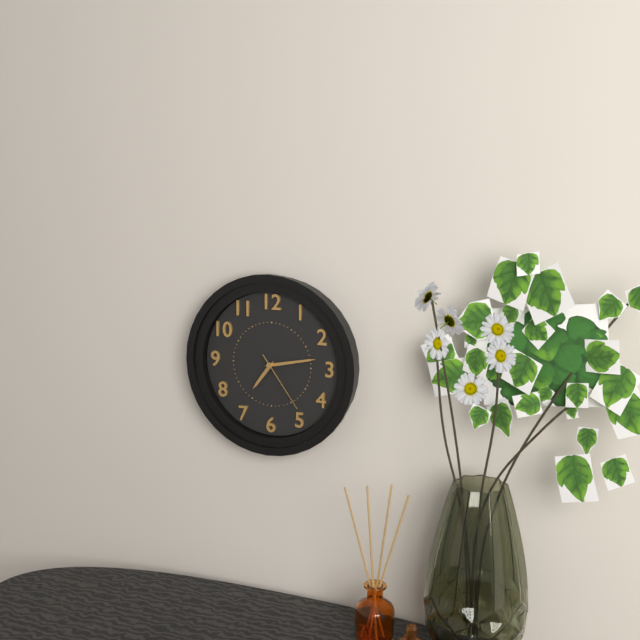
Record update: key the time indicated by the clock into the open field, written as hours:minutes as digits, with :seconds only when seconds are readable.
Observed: 7:13:24
